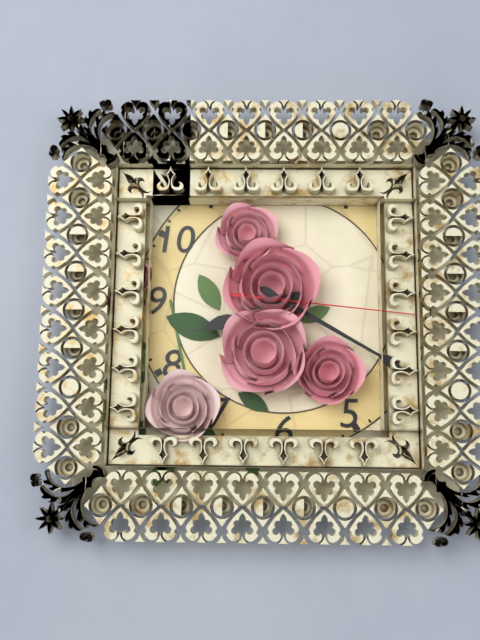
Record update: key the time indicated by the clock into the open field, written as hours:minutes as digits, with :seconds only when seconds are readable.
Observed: 8:20:16
